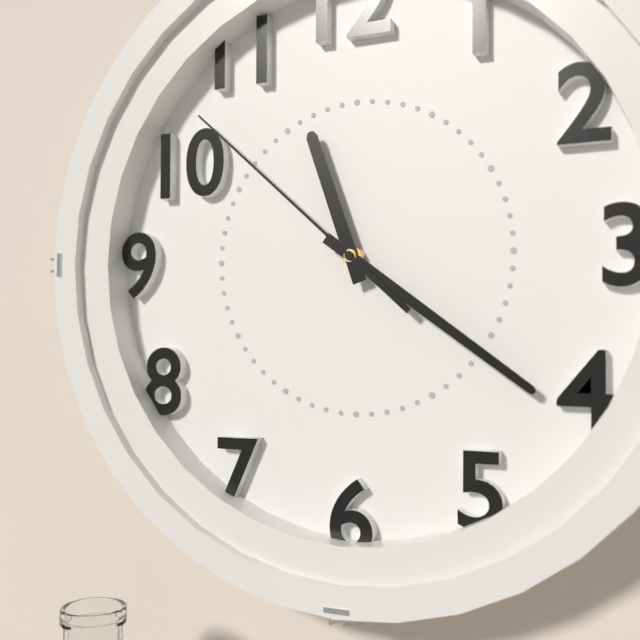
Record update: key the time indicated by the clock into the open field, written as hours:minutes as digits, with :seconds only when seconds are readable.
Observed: 11:21:52
